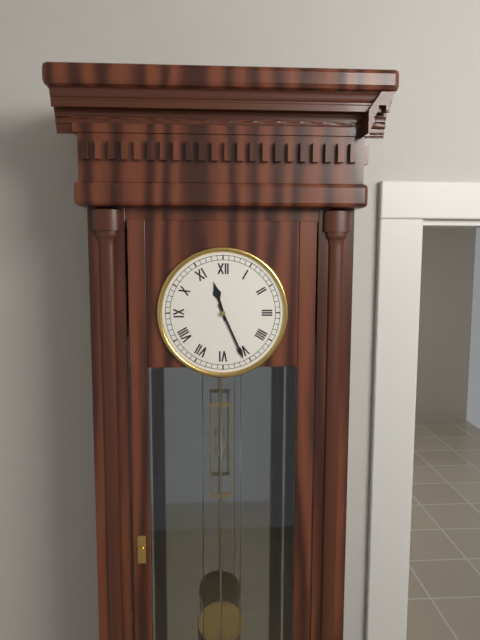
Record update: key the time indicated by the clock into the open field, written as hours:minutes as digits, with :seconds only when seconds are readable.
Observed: 11:26
